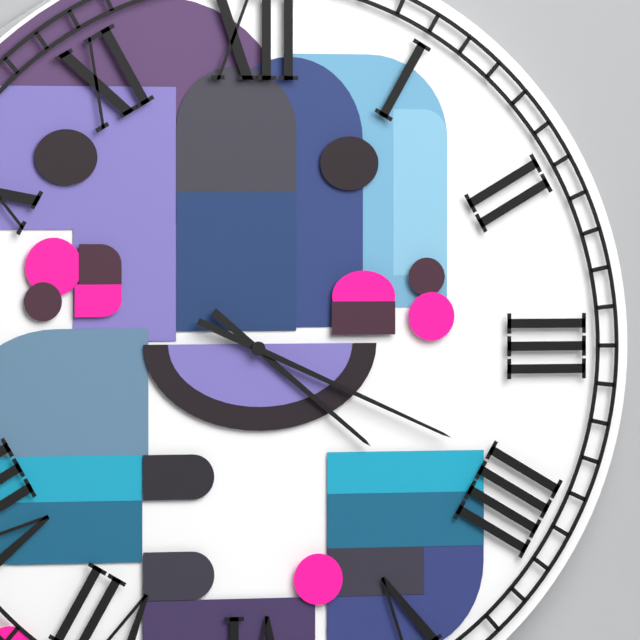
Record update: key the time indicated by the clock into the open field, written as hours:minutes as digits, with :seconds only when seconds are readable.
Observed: 4:19
